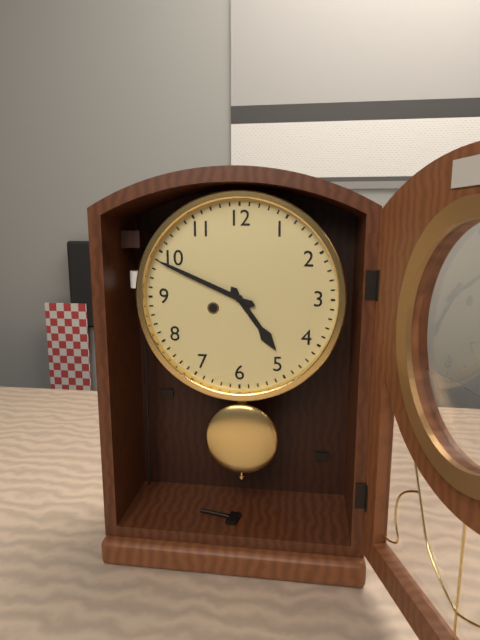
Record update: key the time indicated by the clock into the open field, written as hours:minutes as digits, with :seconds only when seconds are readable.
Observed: 4:49
